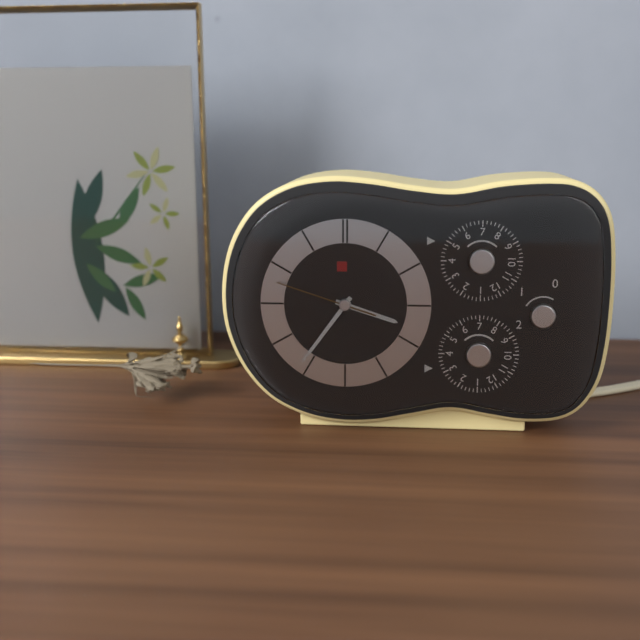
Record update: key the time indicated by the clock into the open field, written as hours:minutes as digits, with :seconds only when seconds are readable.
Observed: 3:36:48
